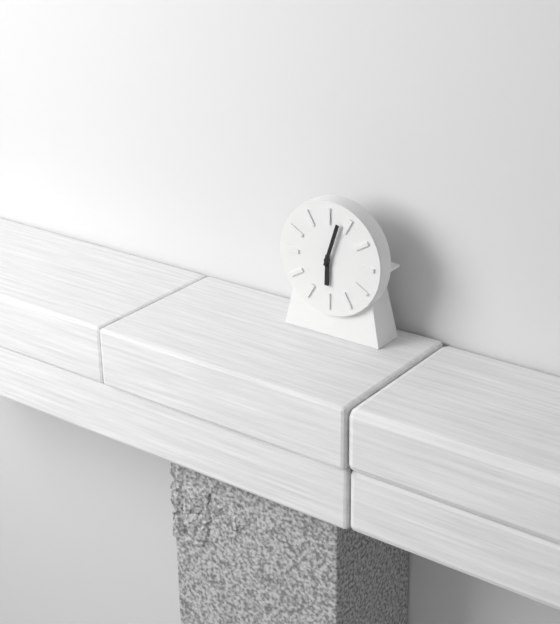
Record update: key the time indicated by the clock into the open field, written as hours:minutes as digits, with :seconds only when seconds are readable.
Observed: 6:03
